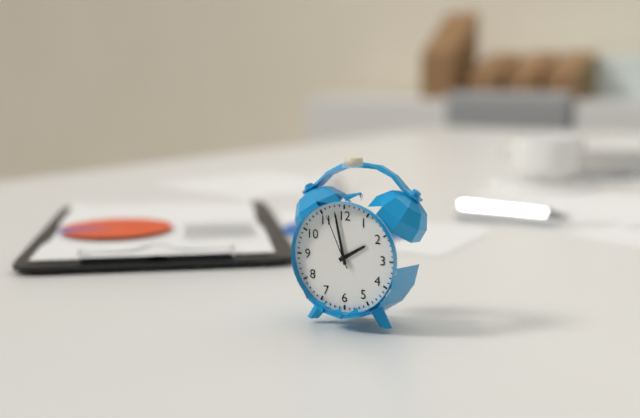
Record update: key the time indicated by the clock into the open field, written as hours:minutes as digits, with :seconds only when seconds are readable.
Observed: 1:58:56
